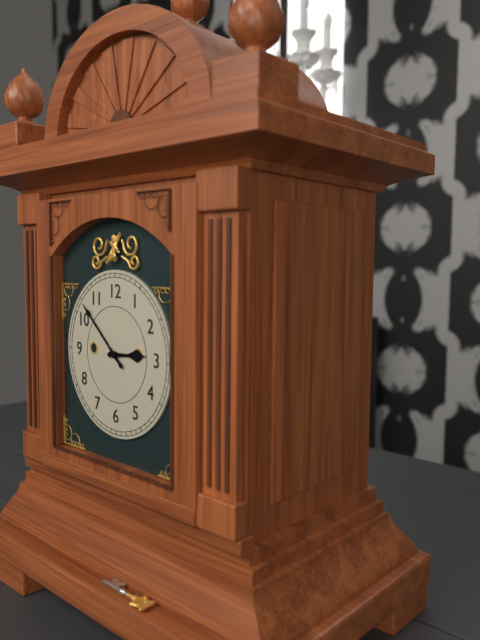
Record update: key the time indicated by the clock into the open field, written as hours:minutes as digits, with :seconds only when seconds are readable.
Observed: 2:52
